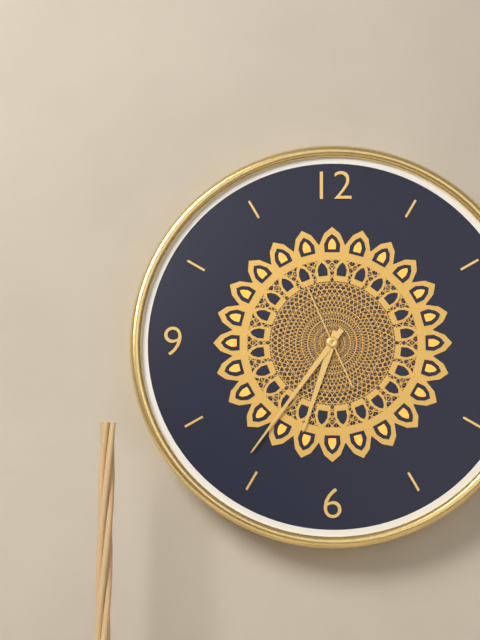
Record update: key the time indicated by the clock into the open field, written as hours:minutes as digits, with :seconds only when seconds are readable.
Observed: 6:36:56
